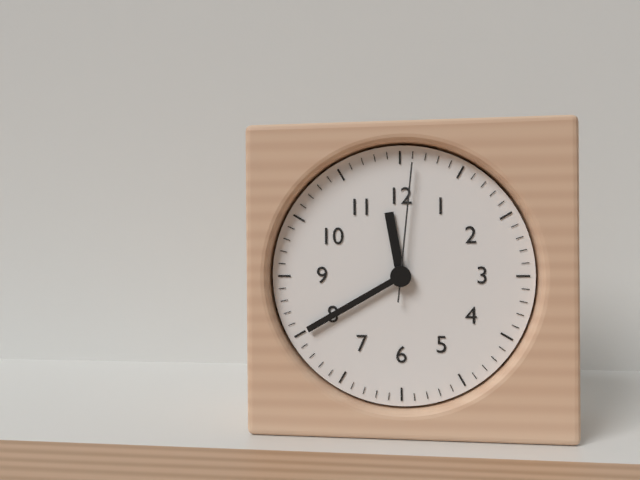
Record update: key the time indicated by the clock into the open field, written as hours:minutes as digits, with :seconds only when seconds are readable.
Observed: 11:40:01
